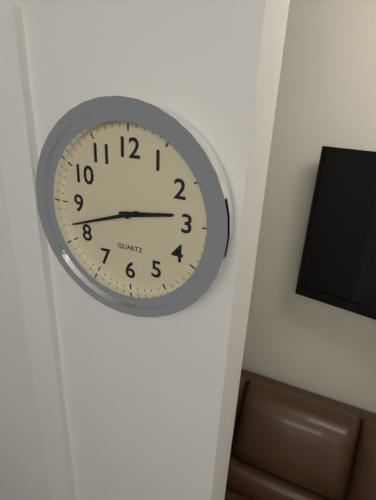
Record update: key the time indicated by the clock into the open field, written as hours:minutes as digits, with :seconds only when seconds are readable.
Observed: 2:42
